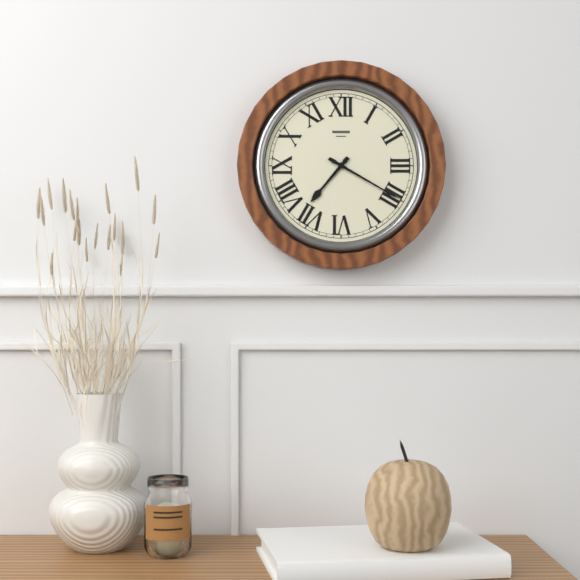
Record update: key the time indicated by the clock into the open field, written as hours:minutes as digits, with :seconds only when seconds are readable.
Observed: 7:20
